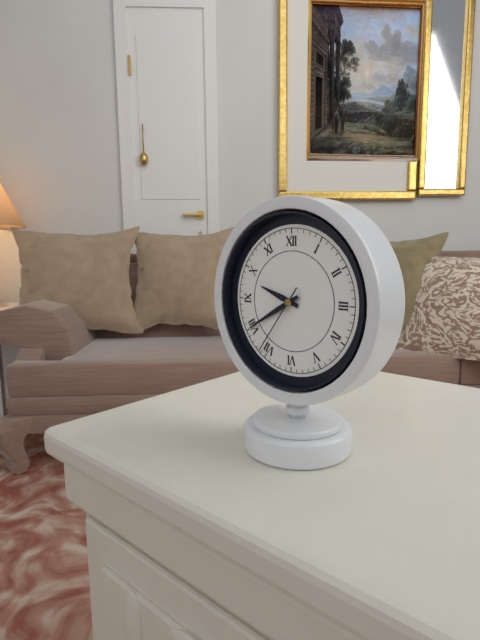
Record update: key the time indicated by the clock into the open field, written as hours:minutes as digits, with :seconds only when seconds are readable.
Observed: 9:40:36
